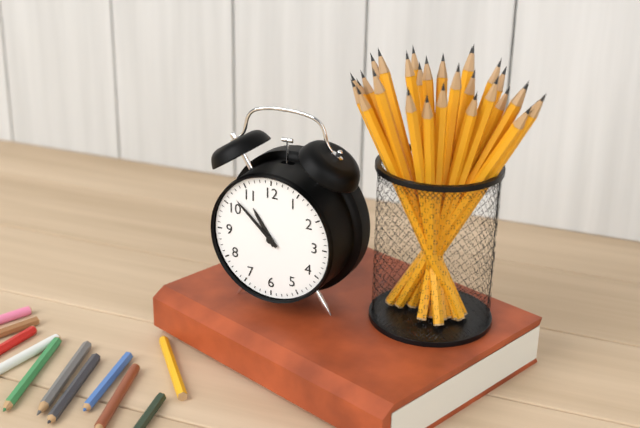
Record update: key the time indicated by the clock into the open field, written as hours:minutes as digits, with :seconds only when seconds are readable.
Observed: 10:52
